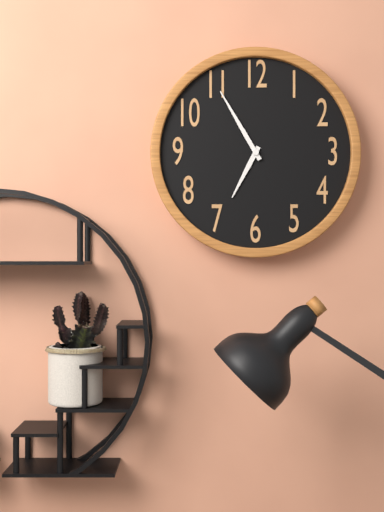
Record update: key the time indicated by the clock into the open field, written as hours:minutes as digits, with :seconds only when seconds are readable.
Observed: 6:55
